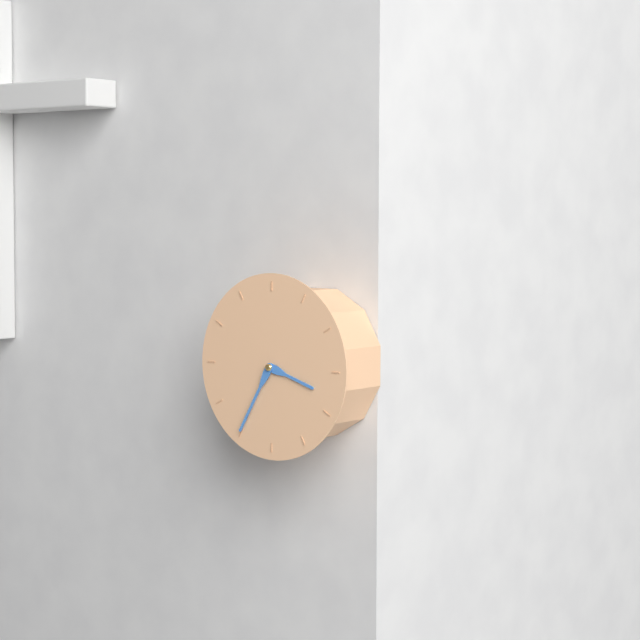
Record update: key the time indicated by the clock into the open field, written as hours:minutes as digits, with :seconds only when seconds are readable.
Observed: 3:35
